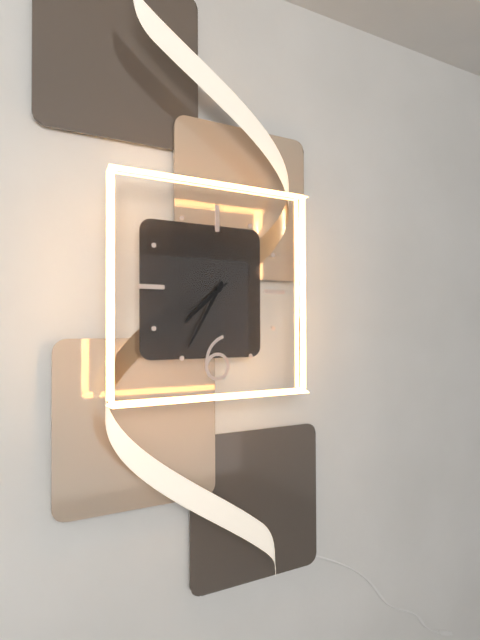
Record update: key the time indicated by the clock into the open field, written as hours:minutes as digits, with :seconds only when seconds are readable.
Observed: 7:35:39
